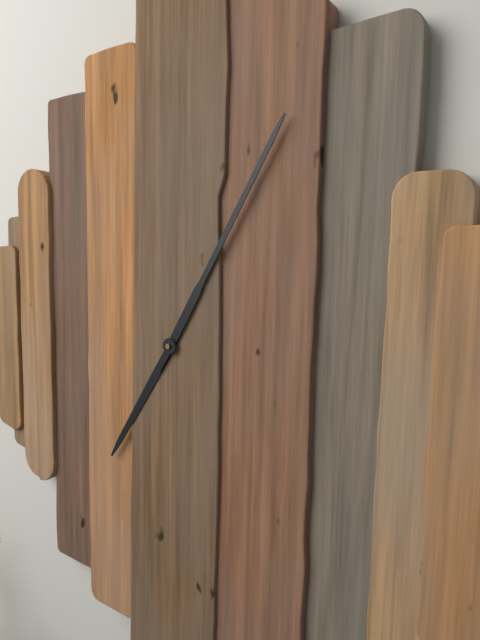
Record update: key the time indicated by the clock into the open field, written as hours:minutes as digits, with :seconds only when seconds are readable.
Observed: 7:05
